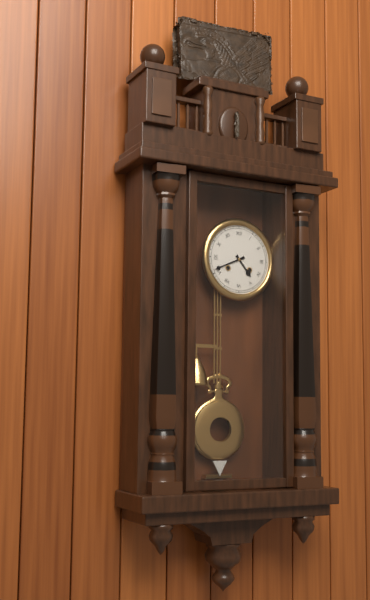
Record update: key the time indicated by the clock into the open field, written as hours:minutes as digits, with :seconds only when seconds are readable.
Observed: 4:41
